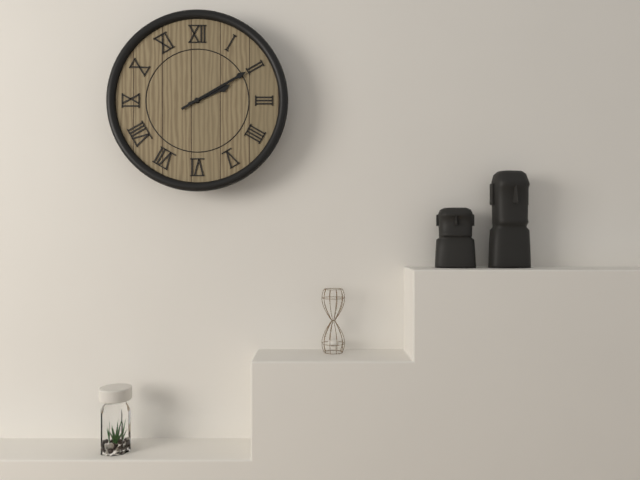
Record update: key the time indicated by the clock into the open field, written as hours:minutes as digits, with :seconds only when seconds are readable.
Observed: 2:10
